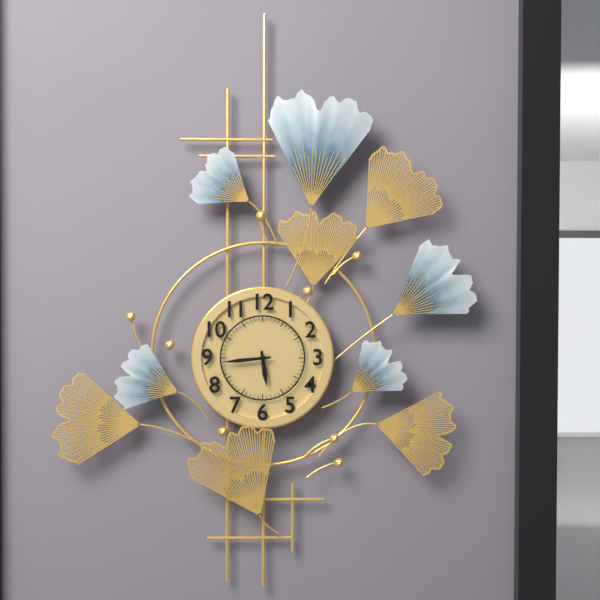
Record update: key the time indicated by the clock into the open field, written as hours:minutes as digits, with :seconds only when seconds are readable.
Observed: 5:44
